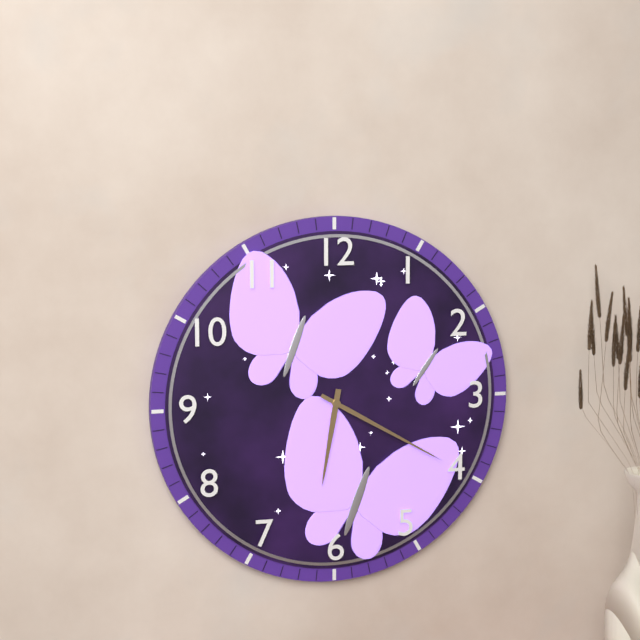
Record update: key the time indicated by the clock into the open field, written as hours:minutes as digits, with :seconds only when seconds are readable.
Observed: 6:20
